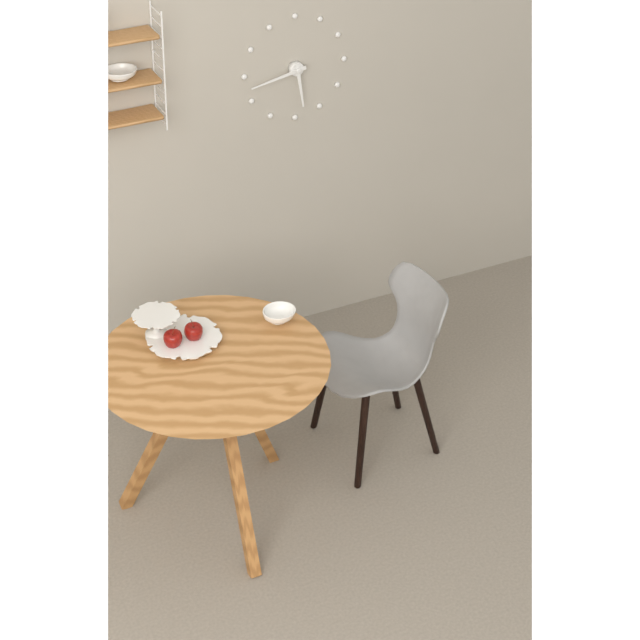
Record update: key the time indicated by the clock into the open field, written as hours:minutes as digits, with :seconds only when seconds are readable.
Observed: 5:43
